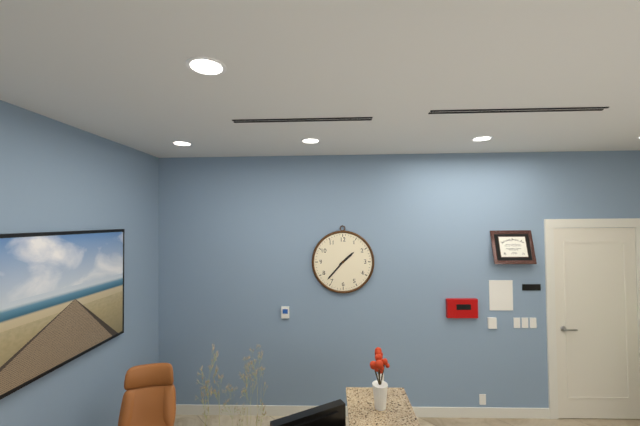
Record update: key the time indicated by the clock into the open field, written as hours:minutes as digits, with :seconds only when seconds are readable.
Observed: 1:37
